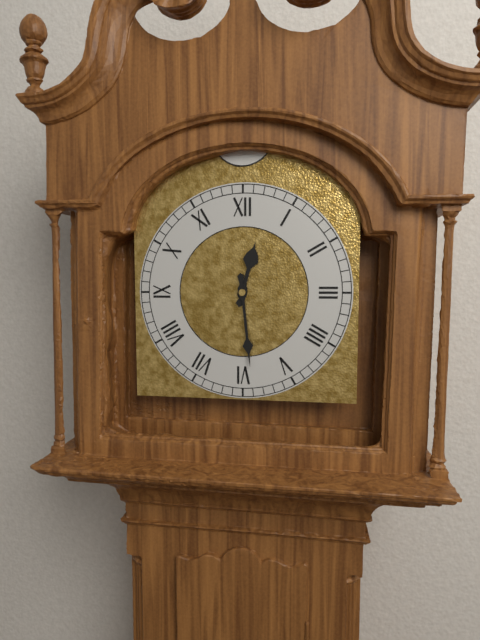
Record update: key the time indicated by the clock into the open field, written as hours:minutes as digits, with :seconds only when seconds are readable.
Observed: 12:29
